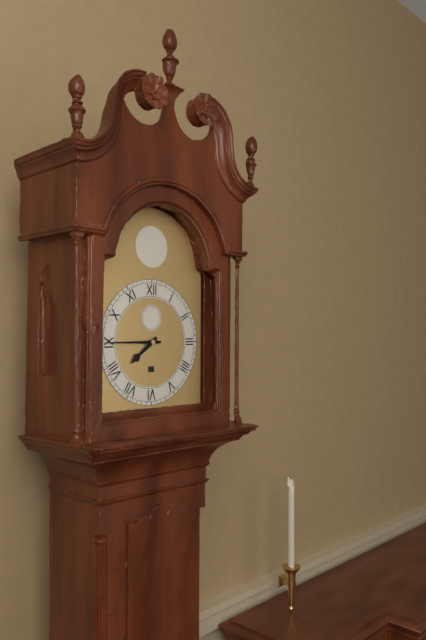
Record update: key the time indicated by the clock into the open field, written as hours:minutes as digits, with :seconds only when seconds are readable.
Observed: 7:45
